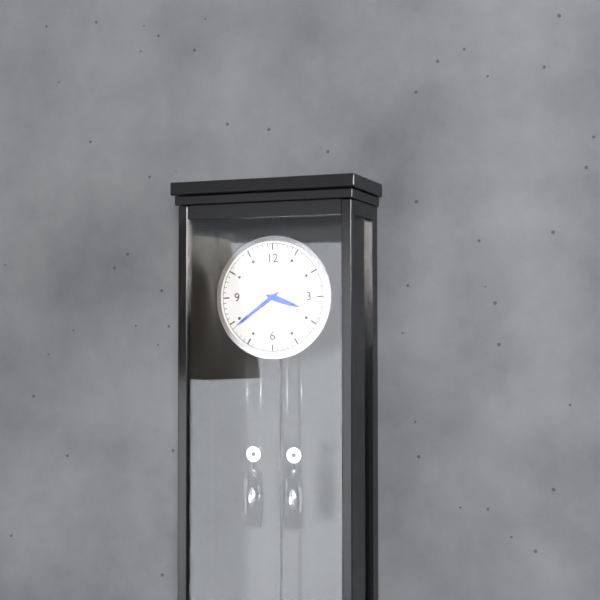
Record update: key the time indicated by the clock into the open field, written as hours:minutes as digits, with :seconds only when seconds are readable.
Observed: 3:39
